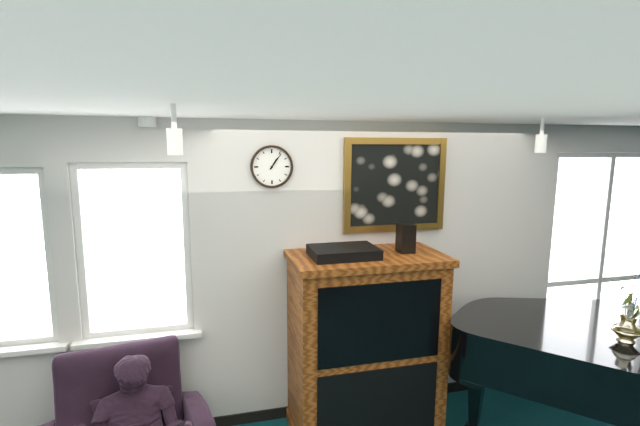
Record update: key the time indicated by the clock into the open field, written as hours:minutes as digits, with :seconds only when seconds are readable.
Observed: 1:06
